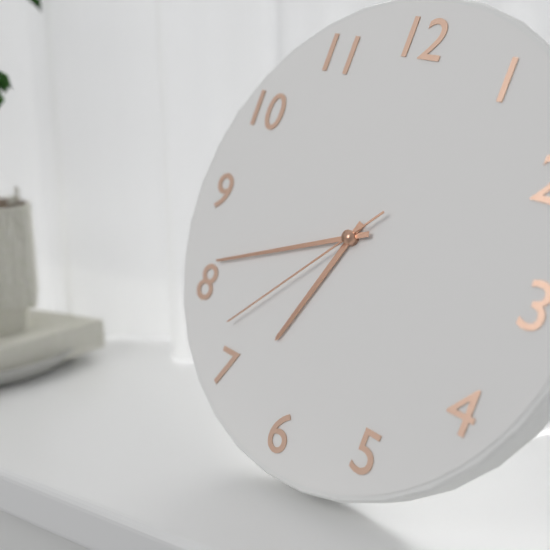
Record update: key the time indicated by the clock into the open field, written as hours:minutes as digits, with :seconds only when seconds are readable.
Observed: 6:41:37
